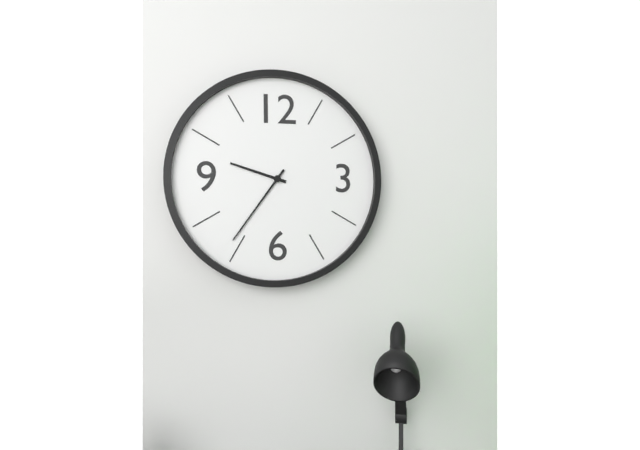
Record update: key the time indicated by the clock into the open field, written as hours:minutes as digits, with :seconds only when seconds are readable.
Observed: 9:36
